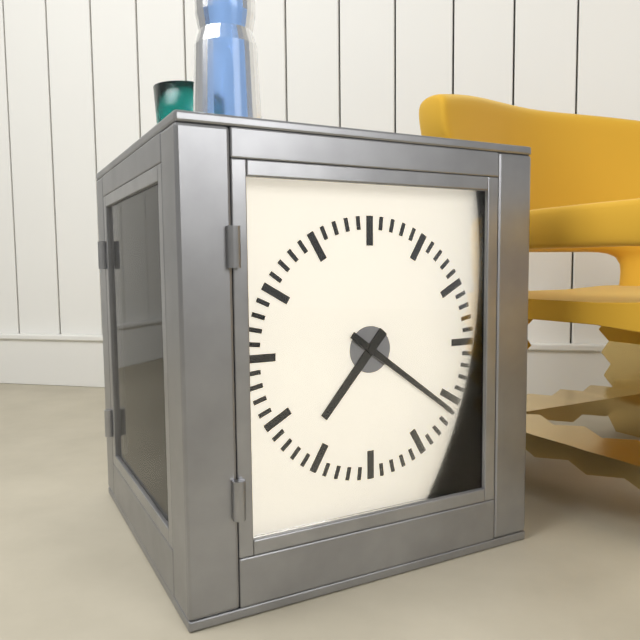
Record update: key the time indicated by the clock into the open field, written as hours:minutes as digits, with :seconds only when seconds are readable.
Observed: 7:21
